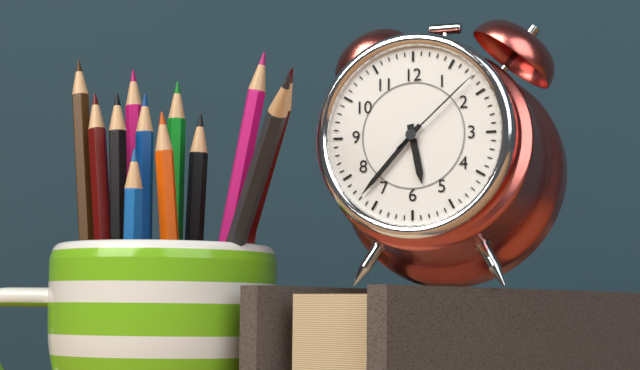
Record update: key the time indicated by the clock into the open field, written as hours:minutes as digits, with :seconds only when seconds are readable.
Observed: 5:37:08
